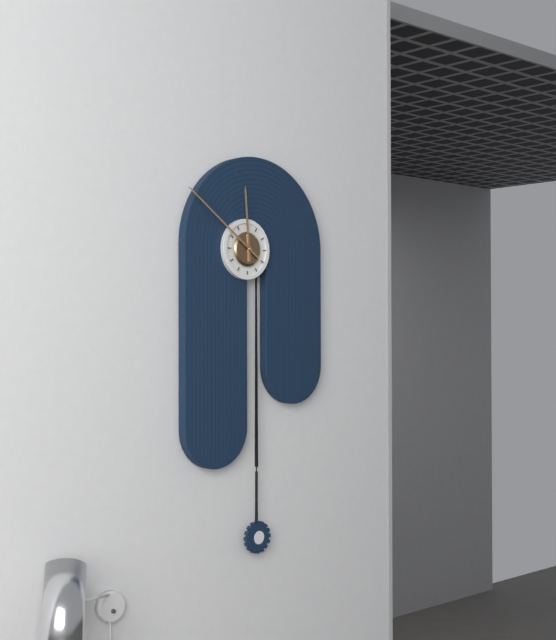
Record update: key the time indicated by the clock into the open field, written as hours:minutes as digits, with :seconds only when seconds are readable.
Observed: 11:51
